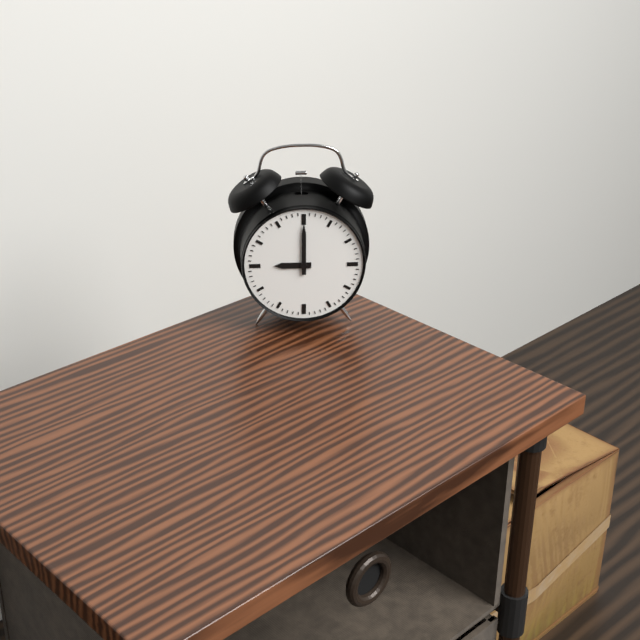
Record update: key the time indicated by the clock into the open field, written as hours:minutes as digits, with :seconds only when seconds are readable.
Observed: 9:00
